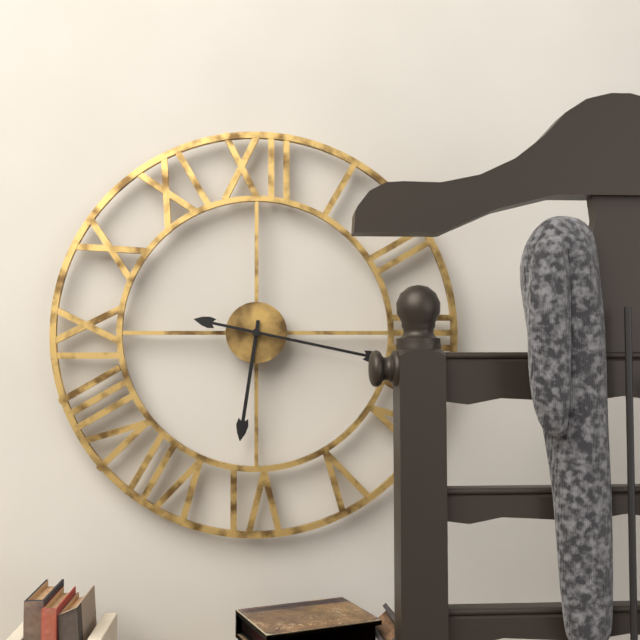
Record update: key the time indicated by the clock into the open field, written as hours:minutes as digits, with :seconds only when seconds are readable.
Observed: 6:17
